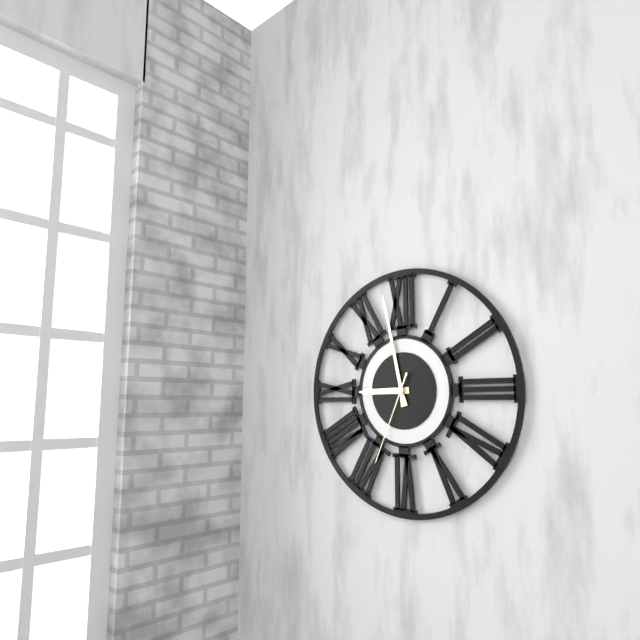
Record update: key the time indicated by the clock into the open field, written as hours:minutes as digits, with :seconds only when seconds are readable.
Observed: 8:58:34
